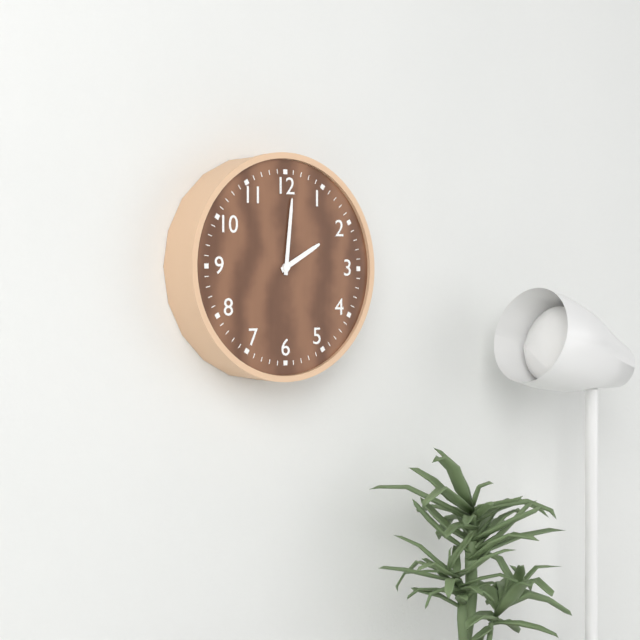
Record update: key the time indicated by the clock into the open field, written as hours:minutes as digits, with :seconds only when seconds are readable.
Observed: 2:01
